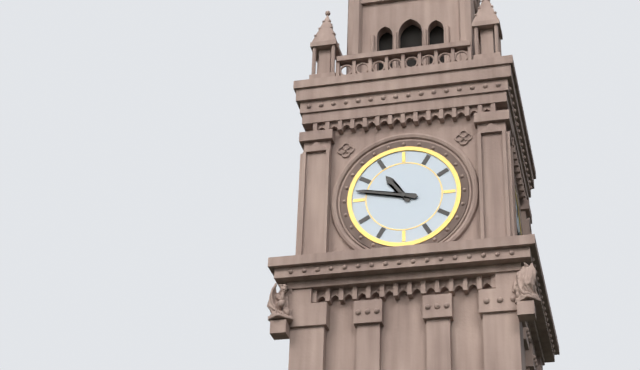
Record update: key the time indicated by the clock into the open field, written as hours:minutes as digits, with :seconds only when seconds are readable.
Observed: 10:47
